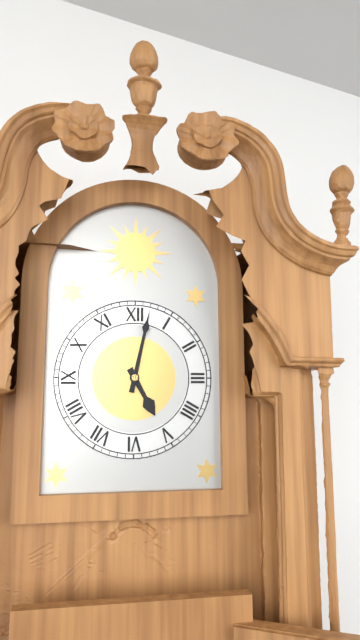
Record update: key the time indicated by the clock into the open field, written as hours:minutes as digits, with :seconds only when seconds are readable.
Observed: 5:02
